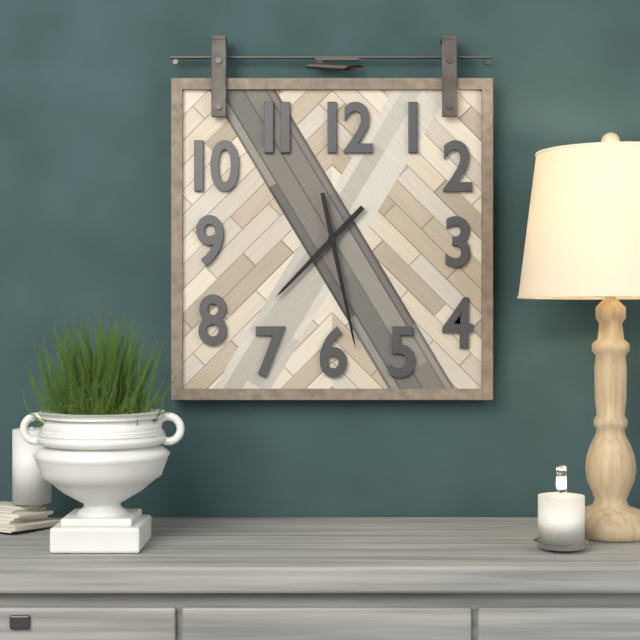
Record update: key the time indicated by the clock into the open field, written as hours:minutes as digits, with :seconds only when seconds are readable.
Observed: 7:28
